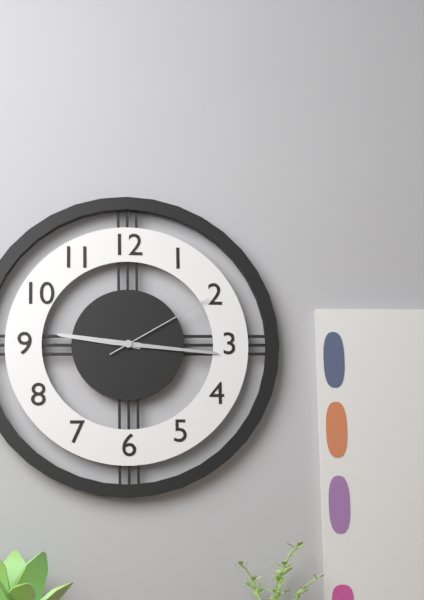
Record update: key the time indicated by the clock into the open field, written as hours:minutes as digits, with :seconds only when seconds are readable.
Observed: 9:16:10
